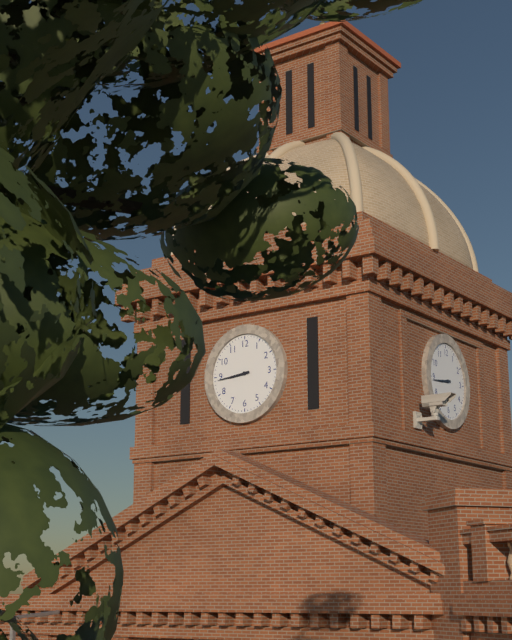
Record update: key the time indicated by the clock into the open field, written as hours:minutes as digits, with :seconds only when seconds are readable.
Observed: 8:44
